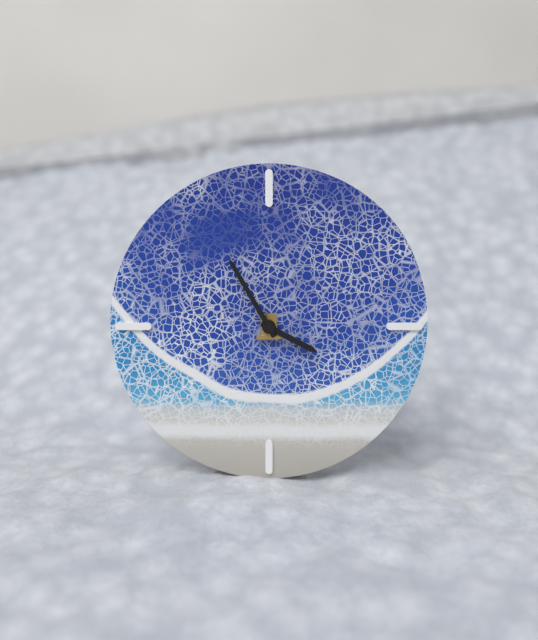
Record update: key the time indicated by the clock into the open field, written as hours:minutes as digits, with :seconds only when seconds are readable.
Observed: 3:55
